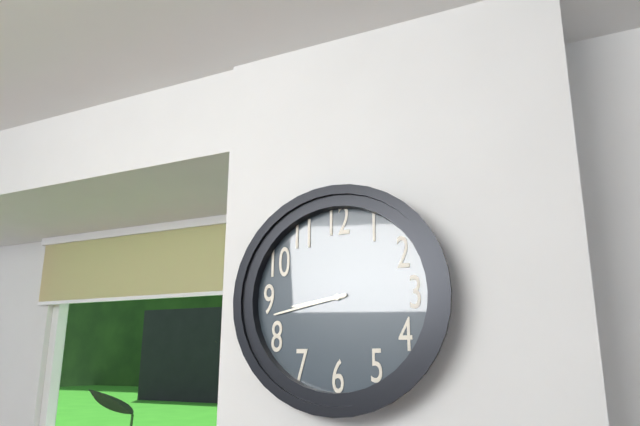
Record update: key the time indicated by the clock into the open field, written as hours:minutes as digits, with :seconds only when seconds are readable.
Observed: 8:43
